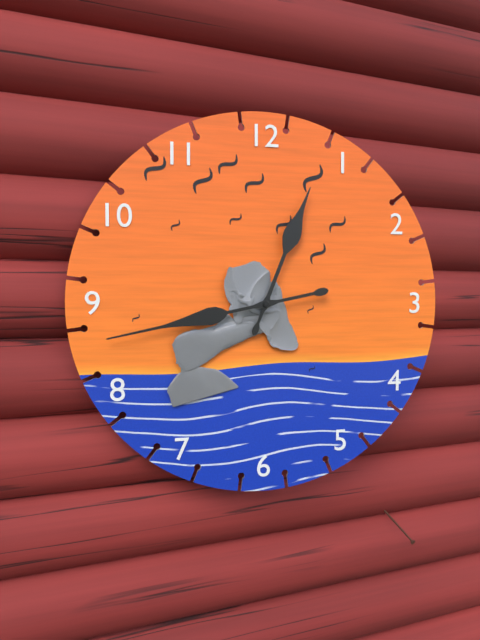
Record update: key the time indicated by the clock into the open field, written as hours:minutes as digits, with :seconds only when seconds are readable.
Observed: 12:43
